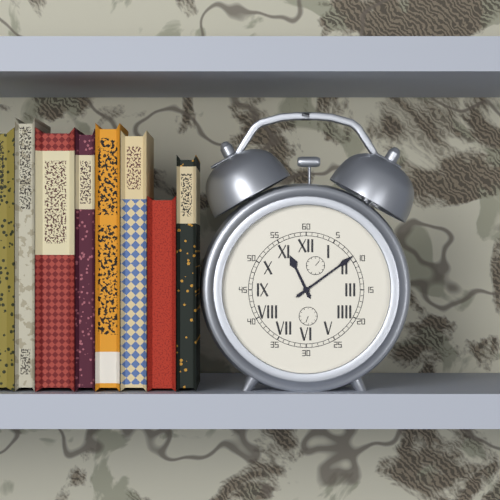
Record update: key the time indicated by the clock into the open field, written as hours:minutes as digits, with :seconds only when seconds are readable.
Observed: 11:09
